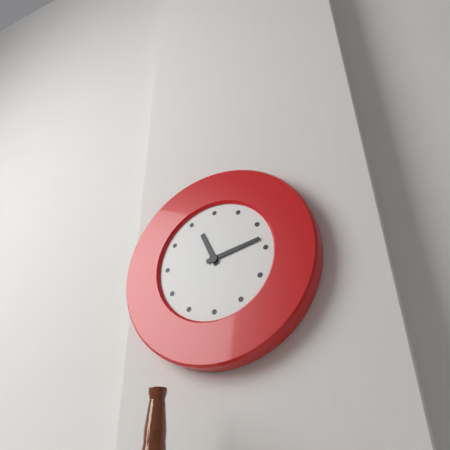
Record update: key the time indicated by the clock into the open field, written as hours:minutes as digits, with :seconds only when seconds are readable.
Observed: 11:13
